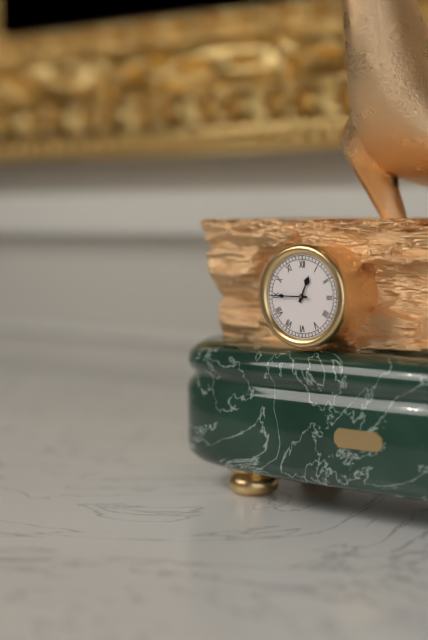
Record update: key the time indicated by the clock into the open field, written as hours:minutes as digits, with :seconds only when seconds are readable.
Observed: 12:45
